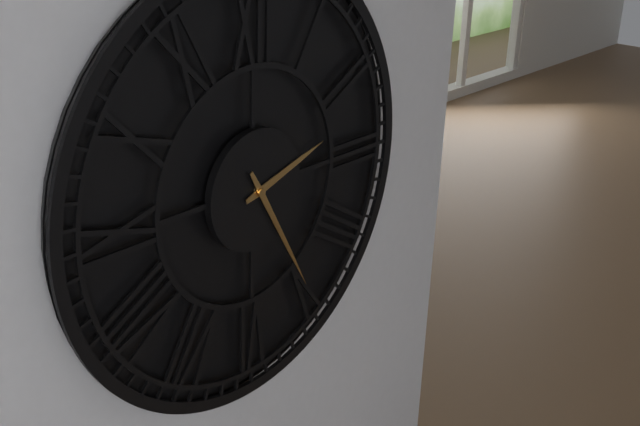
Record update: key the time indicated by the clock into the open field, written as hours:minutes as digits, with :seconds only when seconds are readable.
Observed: 2:25
